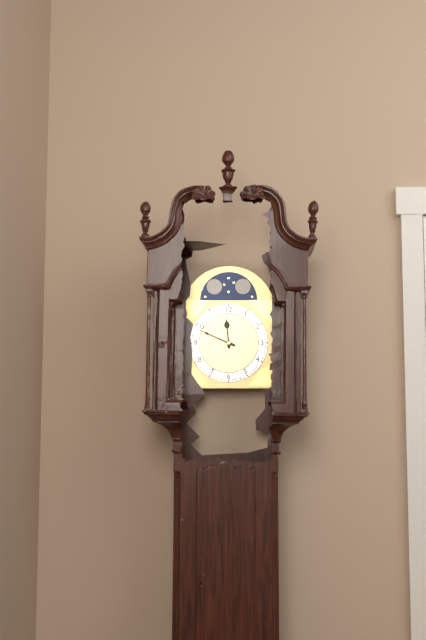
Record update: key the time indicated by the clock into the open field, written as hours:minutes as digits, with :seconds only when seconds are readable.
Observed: 11:49
